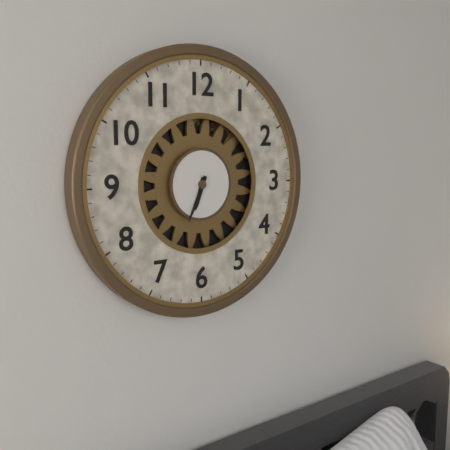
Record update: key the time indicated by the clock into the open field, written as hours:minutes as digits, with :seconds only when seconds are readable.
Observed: 6:34
